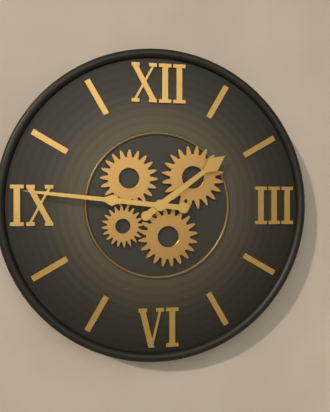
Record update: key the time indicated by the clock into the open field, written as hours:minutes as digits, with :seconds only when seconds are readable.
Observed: 1:46
